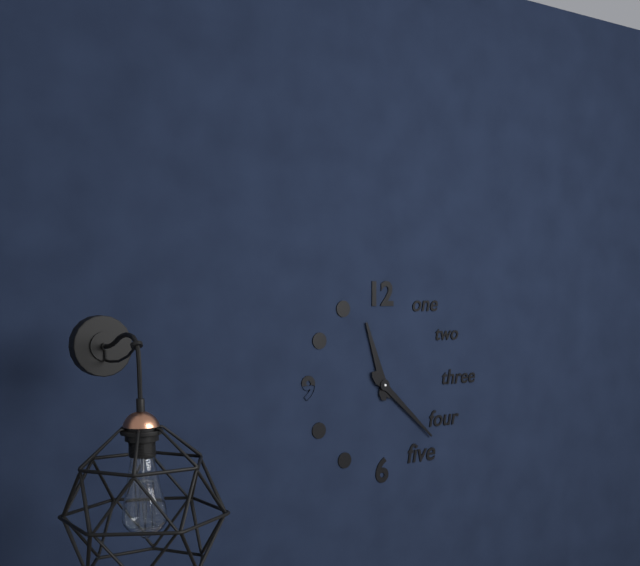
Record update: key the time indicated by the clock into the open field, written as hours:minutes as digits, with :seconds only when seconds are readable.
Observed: 11:22
